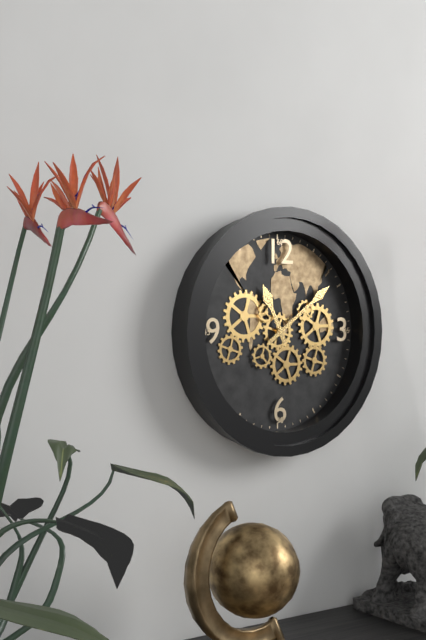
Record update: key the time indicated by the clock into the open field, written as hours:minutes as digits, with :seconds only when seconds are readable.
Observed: 11:09
